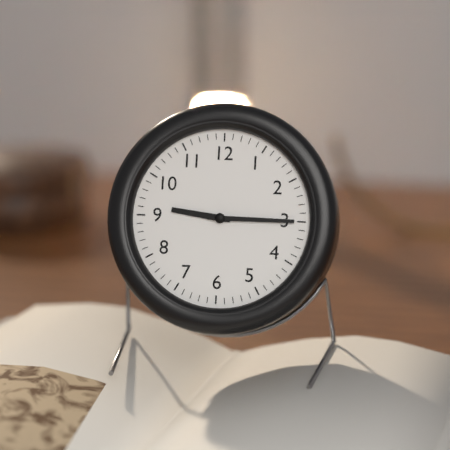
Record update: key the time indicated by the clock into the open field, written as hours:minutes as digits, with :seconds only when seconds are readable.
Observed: 9:15
